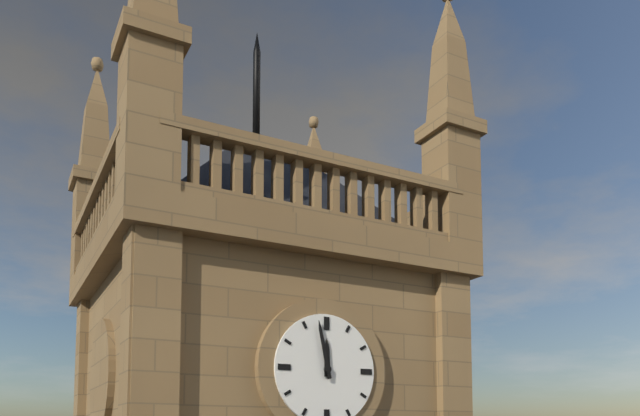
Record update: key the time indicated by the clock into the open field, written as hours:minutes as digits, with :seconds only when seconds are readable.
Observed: 11:58
